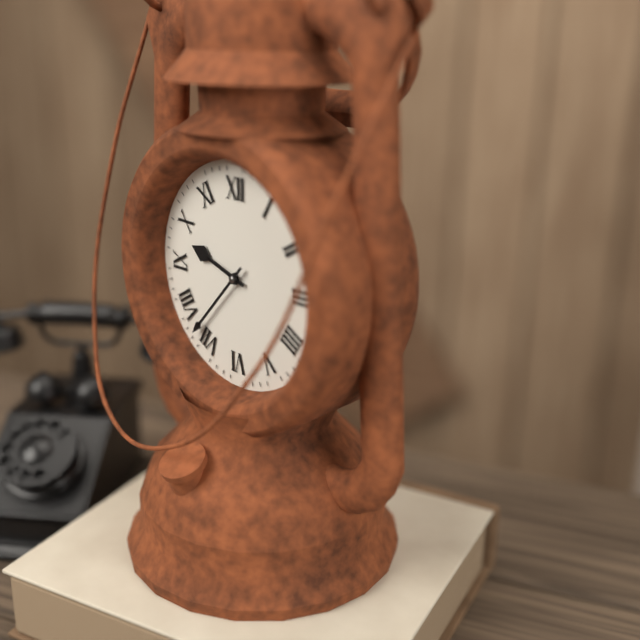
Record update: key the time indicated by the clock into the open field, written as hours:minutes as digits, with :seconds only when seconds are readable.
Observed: 9:37
